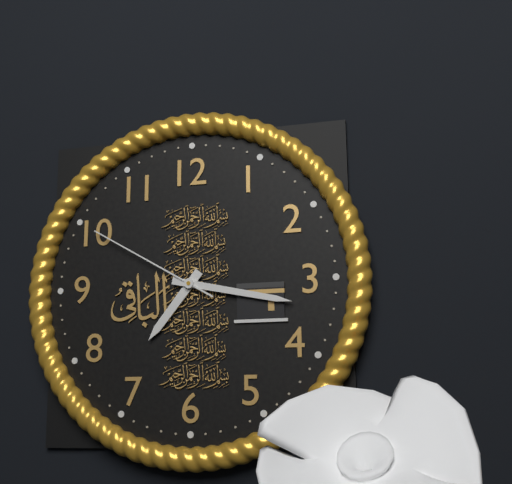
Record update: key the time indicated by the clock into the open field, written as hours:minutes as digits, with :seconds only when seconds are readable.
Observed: 7:17:50
